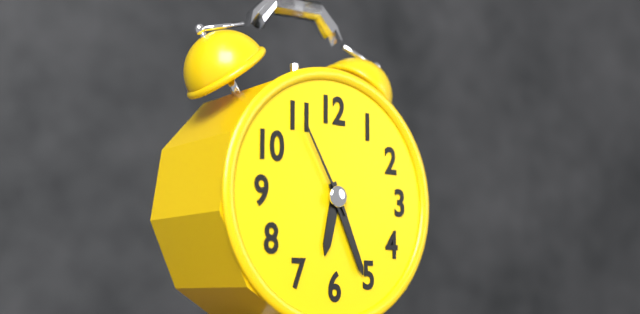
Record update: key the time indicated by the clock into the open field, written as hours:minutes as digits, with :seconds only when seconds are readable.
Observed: 6:26:55
